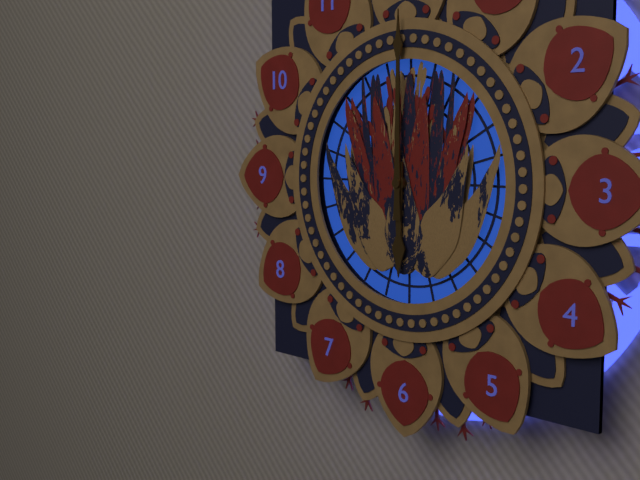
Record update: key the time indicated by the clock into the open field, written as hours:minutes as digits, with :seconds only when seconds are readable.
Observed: 6:00
